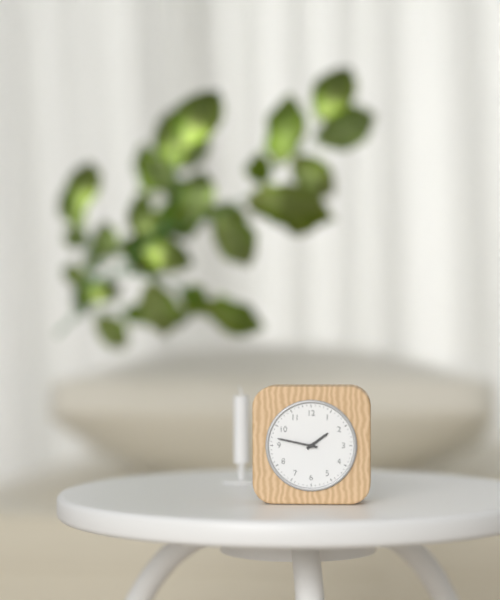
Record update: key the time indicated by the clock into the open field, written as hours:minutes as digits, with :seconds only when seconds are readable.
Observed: 1:47
